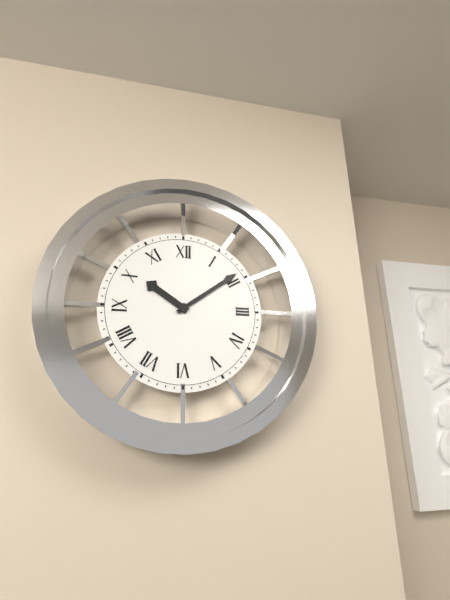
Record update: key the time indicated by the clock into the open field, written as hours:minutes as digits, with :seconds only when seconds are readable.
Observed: 10:09
